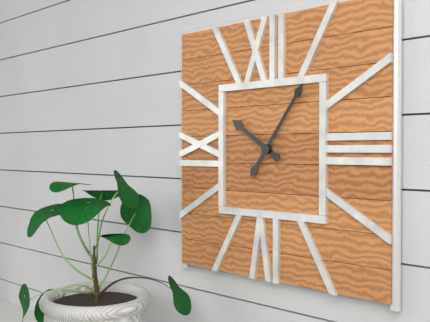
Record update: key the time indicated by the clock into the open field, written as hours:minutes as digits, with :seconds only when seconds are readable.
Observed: 10:06
